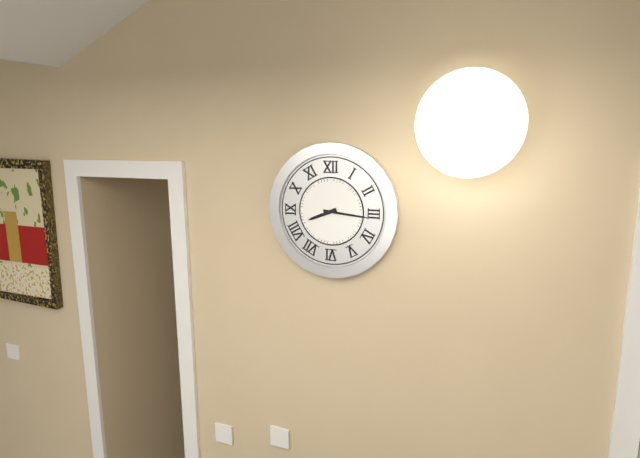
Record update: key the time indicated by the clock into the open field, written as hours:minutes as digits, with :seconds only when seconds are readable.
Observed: 8:16
